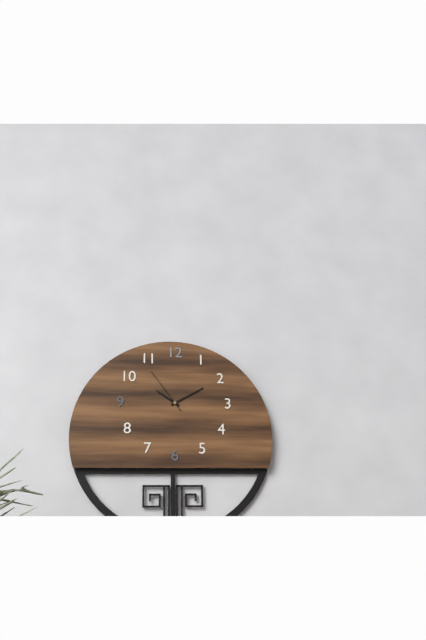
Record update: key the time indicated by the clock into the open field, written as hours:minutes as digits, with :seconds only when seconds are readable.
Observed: 10:10
